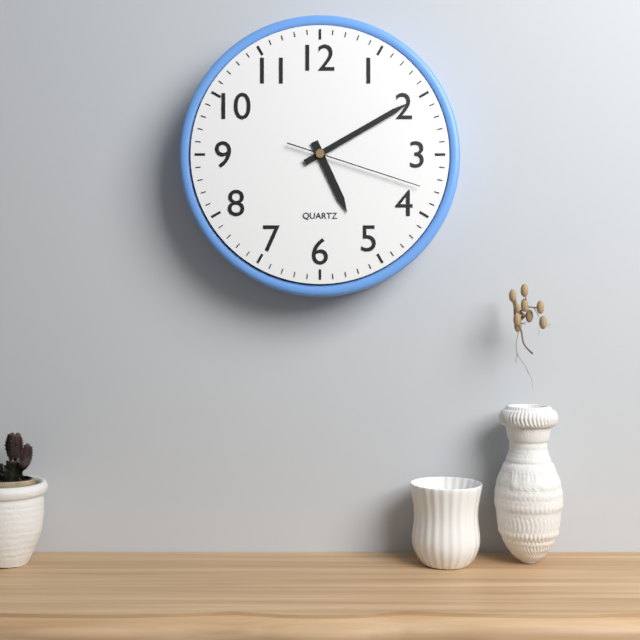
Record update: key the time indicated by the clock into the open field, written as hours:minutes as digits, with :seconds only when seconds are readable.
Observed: 5:10:18
